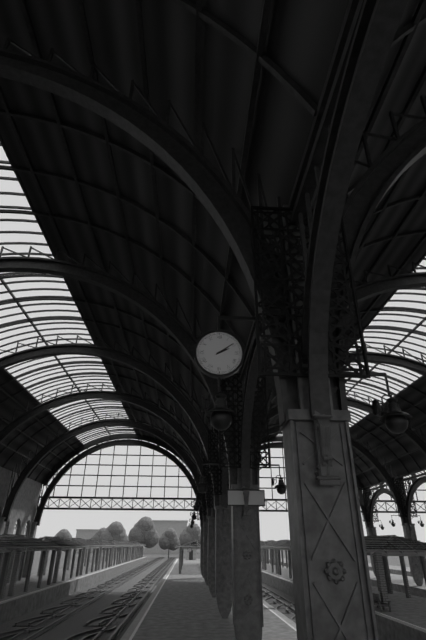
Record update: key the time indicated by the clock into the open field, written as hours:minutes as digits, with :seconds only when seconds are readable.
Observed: 2:09
